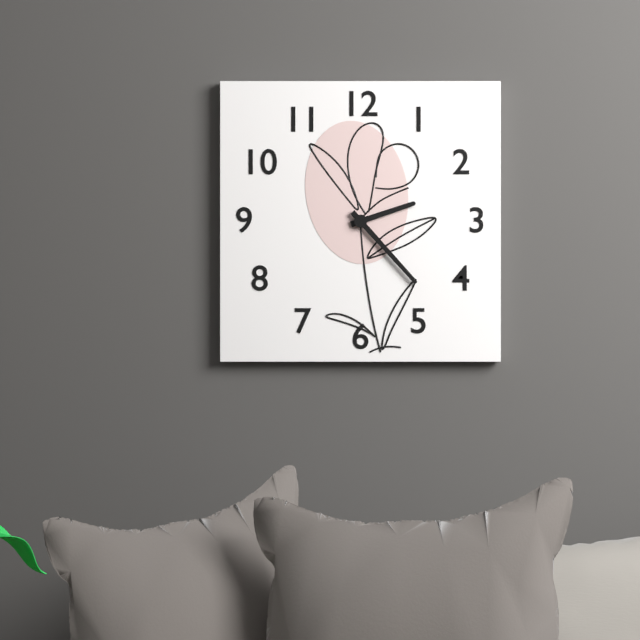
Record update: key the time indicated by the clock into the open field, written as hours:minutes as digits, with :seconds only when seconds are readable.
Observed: 2:23
